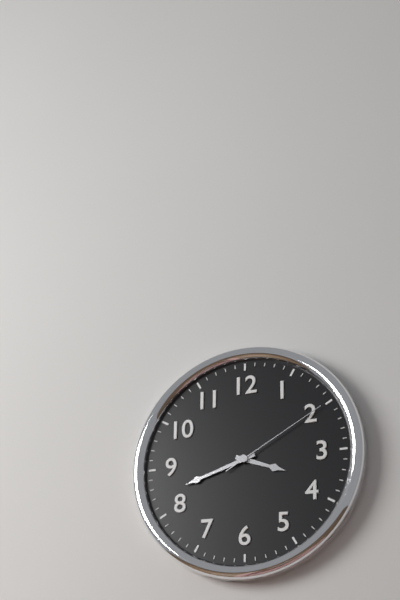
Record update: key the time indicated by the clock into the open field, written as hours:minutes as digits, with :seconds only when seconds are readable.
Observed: 3:42:10
